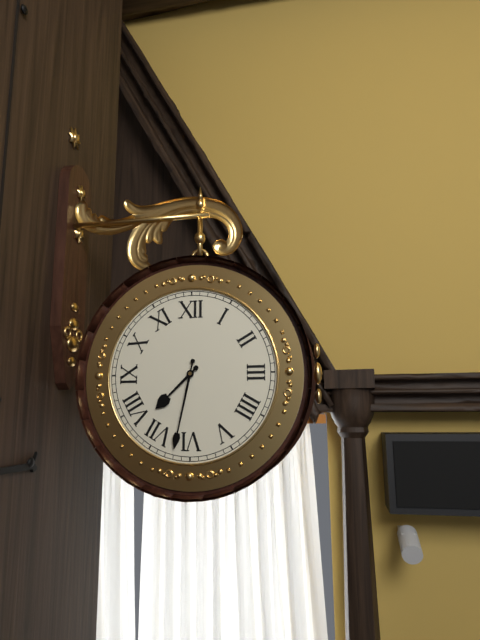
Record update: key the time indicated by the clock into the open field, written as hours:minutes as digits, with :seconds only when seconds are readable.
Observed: 7:32
